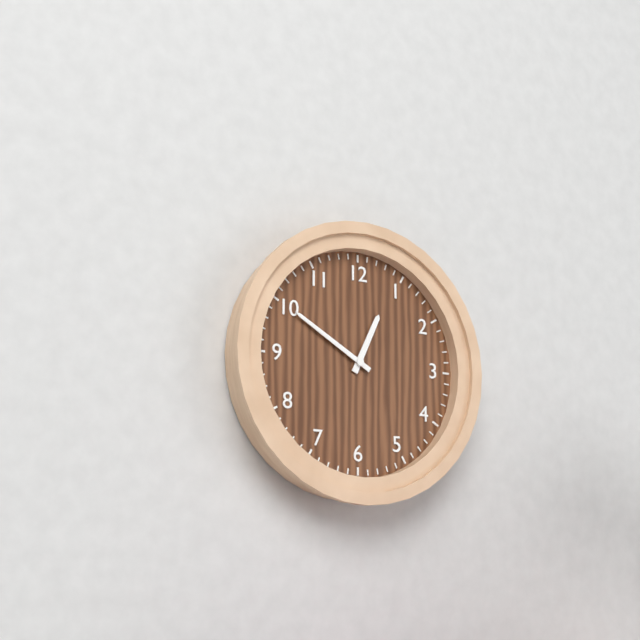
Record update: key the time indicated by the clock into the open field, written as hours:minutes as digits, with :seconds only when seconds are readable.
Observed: 12:50
